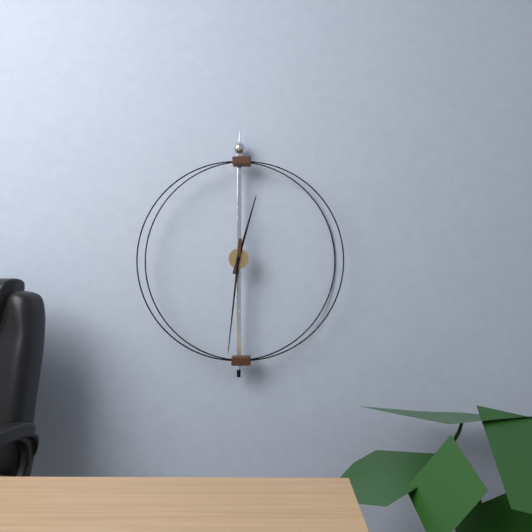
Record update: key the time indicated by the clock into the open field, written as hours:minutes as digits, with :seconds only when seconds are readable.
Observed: 12:31
